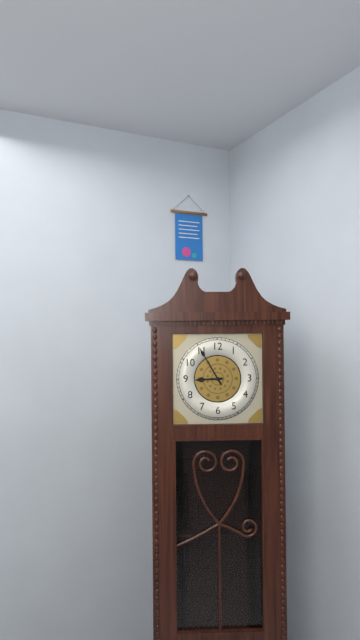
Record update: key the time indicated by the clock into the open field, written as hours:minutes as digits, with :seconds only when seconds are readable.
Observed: 8:55
